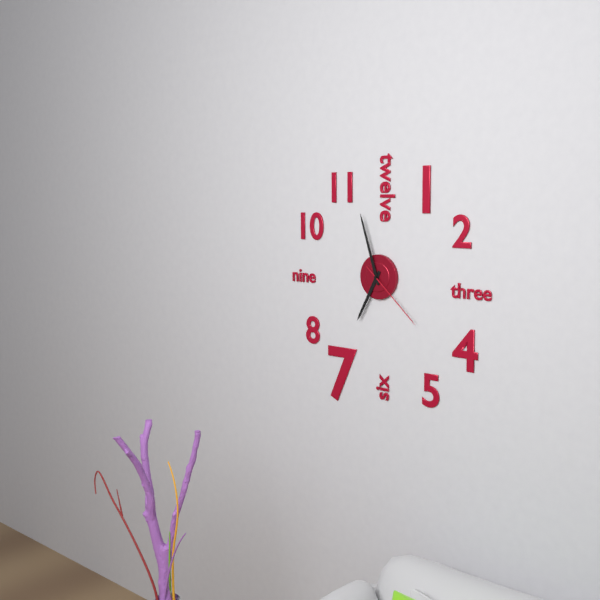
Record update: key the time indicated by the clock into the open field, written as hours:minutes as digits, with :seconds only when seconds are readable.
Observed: 6:57:22
